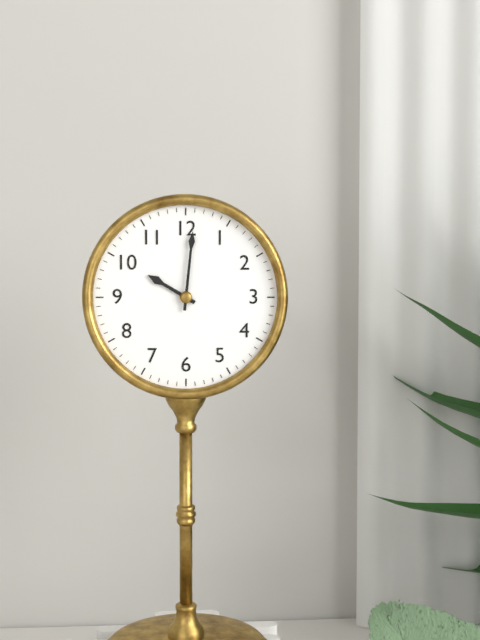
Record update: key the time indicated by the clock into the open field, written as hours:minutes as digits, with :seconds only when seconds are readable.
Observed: 10:01
